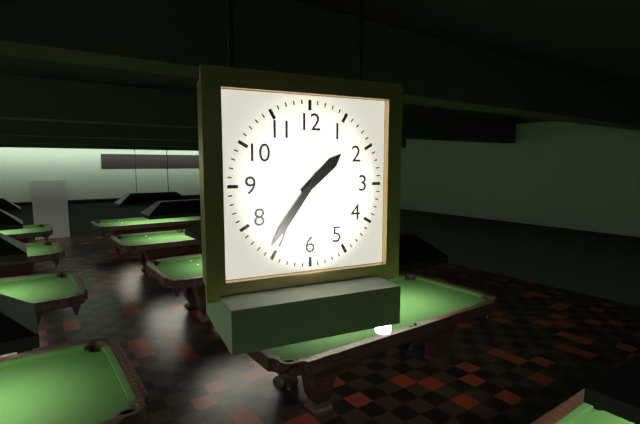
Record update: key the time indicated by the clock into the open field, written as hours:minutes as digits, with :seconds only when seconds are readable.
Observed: 1:36
